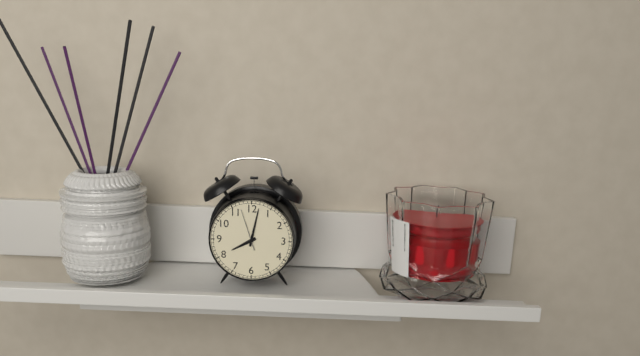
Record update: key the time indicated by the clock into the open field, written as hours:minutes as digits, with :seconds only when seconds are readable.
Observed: 8:02
